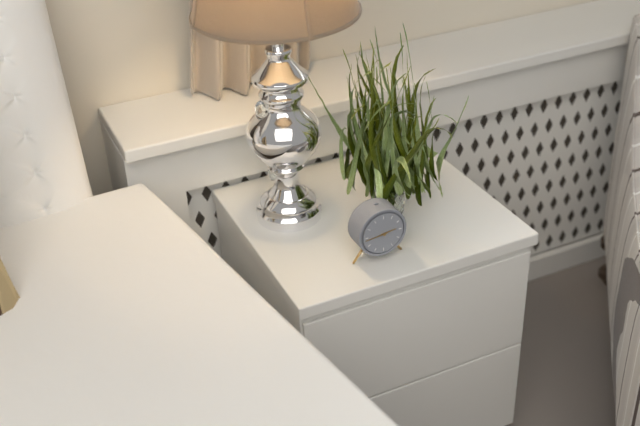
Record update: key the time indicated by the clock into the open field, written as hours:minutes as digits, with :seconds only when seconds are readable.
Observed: 2:44
